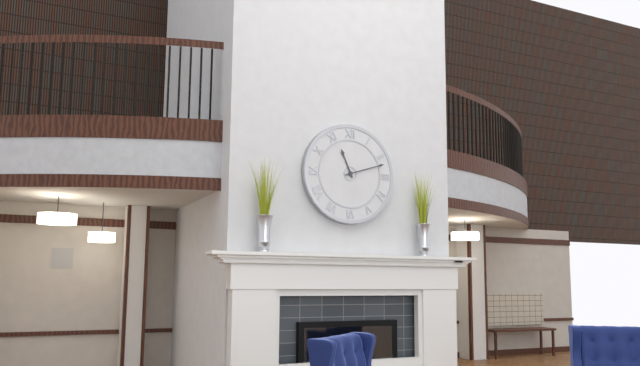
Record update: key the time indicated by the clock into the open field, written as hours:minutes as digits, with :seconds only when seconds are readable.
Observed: 11:12
